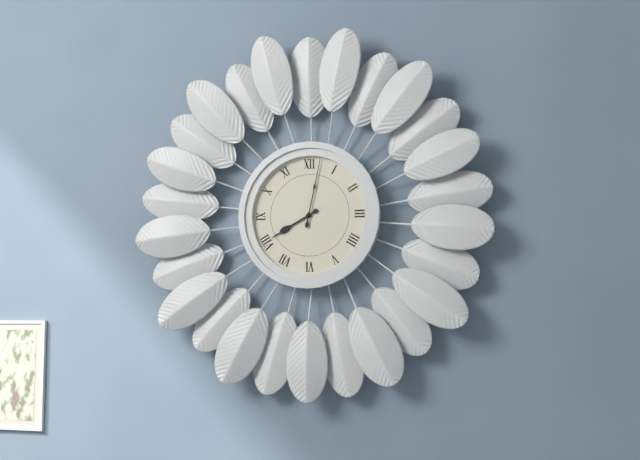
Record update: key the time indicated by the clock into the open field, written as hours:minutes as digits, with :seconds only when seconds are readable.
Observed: 8:02
